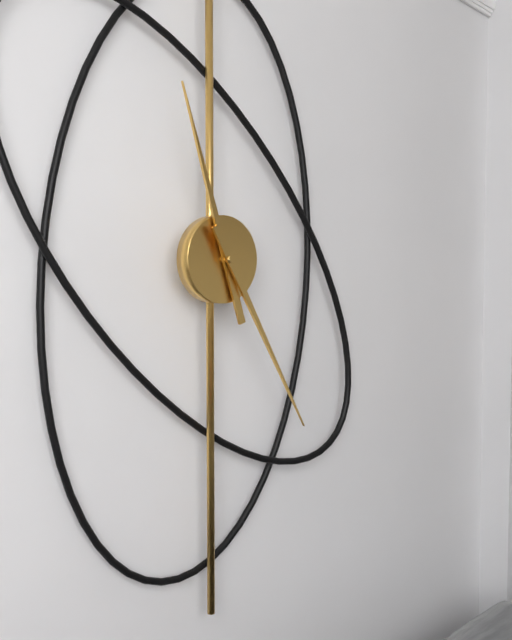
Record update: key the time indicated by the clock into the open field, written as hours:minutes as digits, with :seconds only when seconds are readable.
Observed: 11:25
